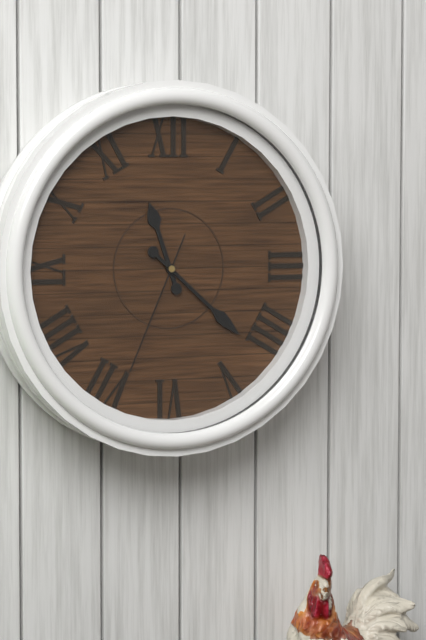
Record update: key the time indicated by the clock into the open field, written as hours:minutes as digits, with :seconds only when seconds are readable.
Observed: 11:22:34
